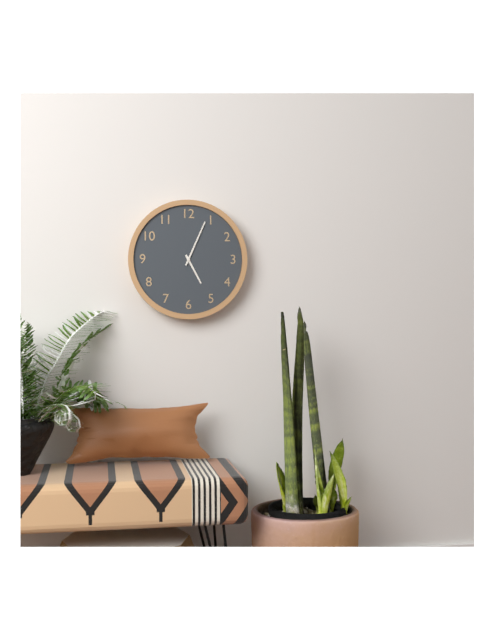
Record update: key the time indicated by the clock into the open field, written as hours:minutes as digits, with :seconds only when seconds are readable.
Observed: 5:04
